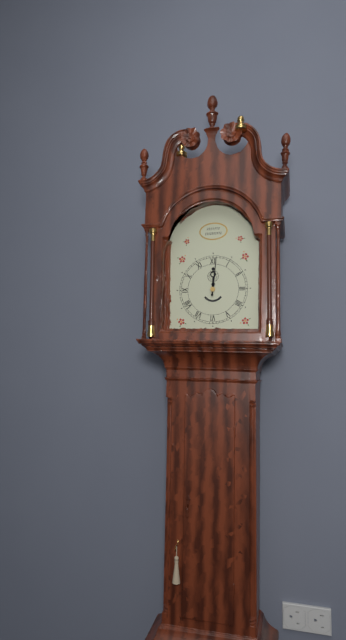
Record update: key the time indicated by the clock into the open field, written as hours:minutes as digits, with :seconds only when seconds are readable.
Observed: 12:01
